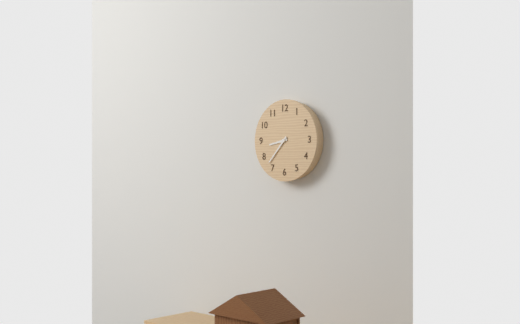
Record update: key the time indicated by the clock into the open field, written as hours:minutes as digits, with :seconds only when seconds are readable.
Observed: 8:37
